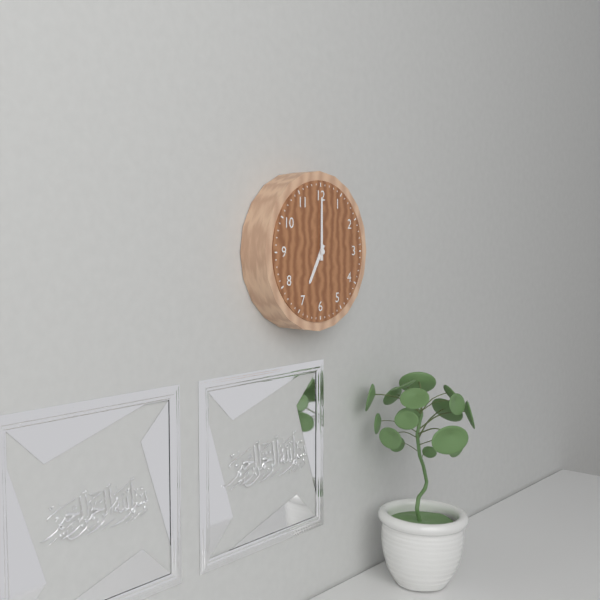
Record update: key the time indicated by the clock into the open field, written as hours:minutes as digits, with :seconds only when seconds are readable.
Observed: 7:00
